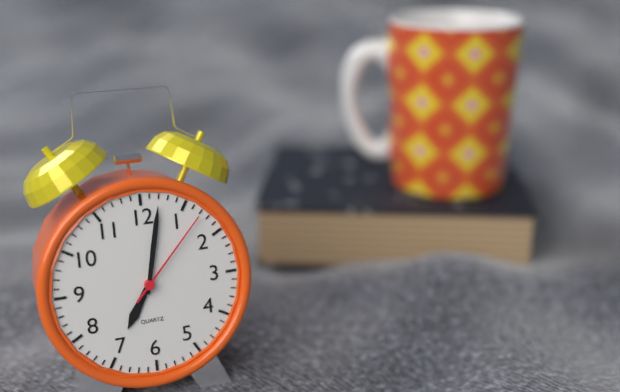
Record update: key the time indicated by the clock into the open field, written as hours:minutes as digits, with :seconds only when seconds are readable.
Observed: 7:02:07
